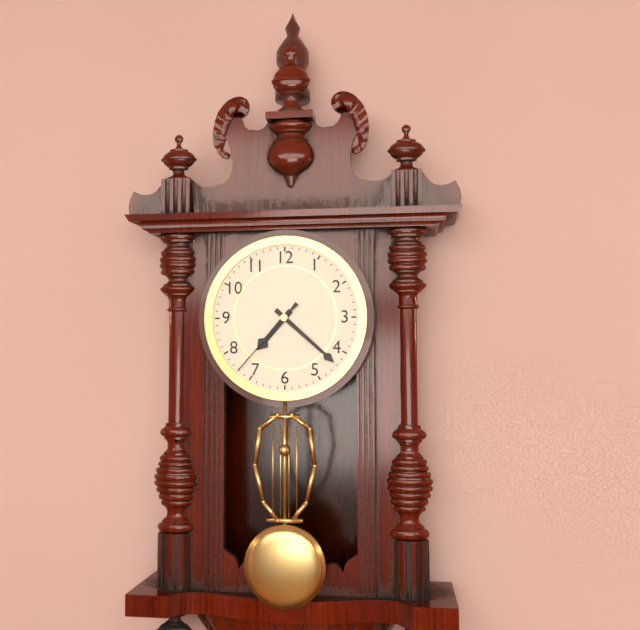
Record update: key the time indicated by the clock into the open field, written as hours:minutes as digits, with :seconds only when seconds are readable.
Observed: 7:22:37
